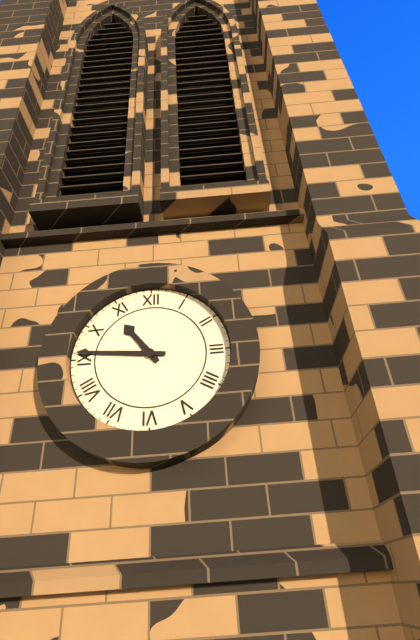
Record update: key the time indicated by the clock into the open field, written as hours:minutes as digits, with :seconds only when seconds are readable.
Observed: 10:46
